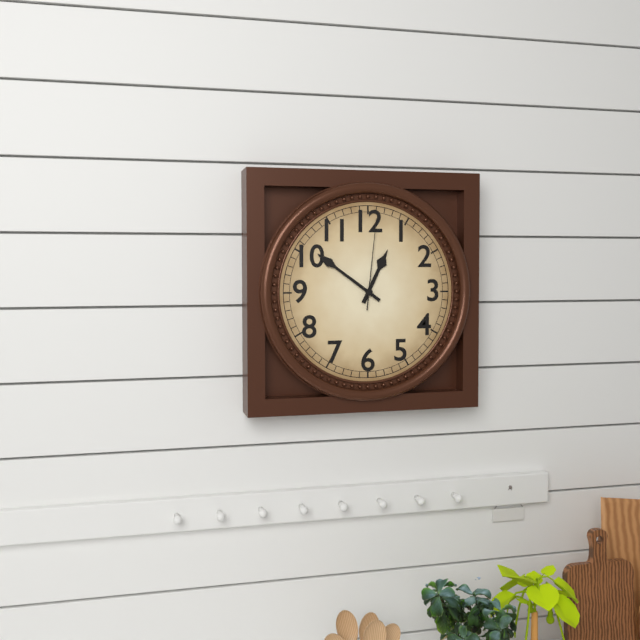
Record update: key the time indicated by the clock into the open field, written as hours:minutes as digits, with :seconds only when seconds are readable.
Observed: 12:51:01
